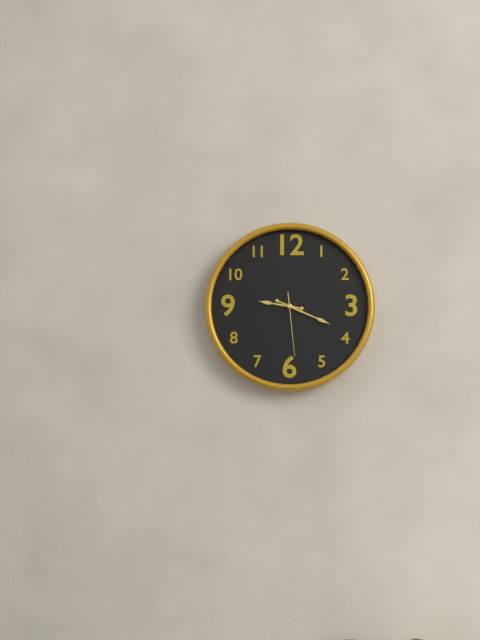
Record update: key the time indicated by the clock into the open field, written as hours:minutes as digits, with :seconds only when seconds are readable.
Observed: 9:19:29
